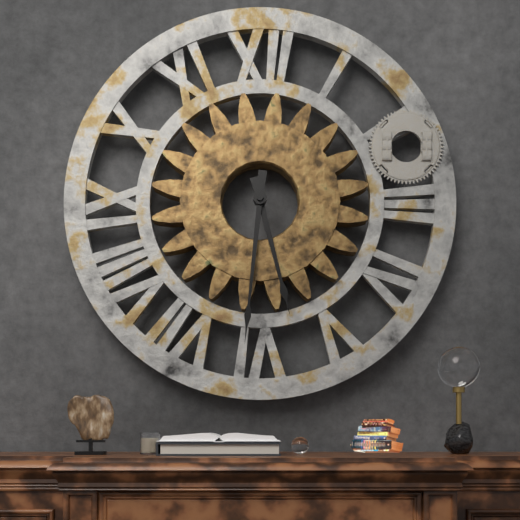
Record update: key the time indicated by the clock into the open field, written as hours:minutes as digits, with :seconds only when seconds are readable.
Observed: 5:31
